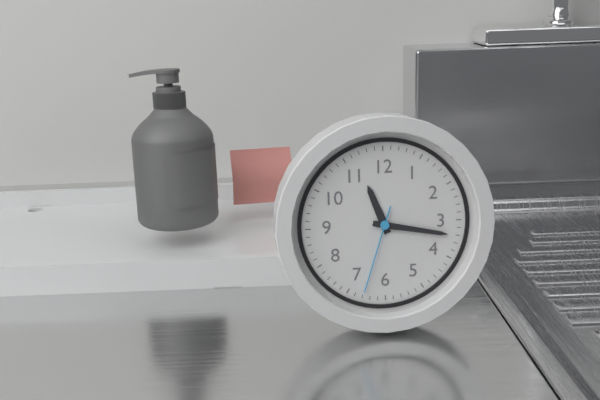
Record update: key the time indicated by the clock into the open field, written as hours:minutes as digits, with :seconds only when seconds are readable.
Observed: 11:17:33
